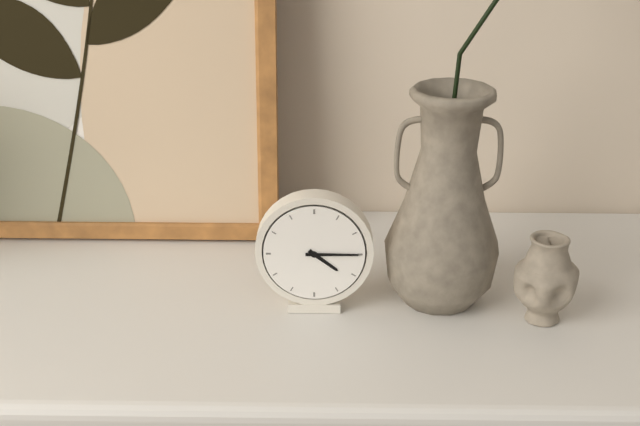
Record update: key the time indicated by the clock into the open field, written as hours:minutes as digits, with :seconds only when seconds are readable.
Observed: 4:15
